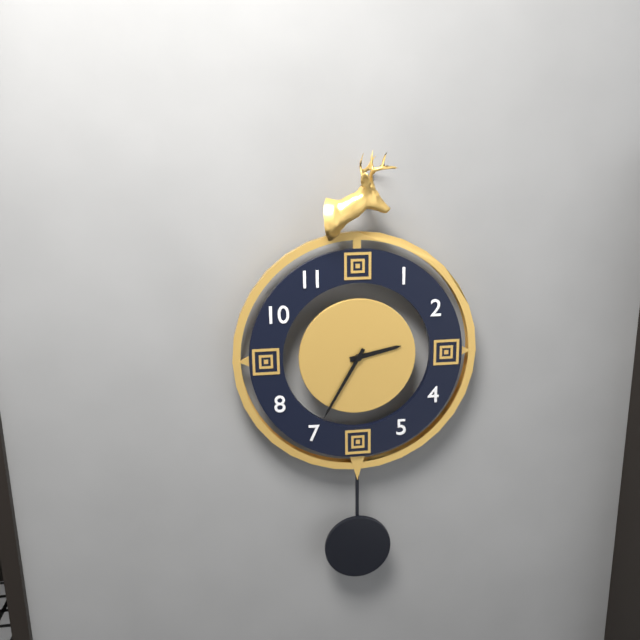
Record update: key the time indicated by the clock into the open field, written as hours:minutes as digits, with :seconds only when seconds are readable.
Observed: 2:35
